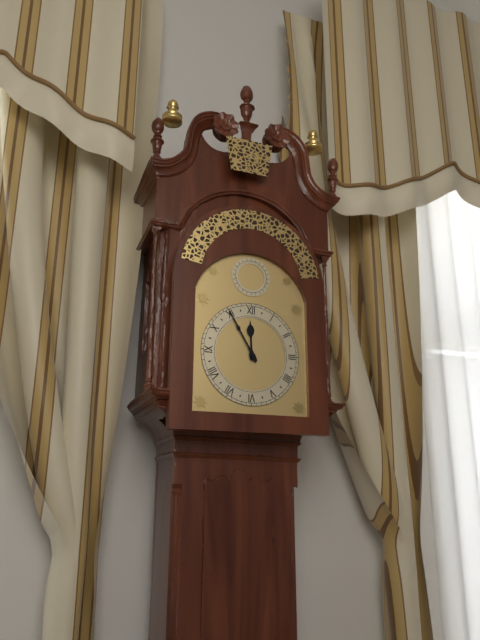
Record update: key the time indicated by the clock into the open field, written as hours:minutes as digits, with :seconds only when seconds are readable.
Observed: 11:55
